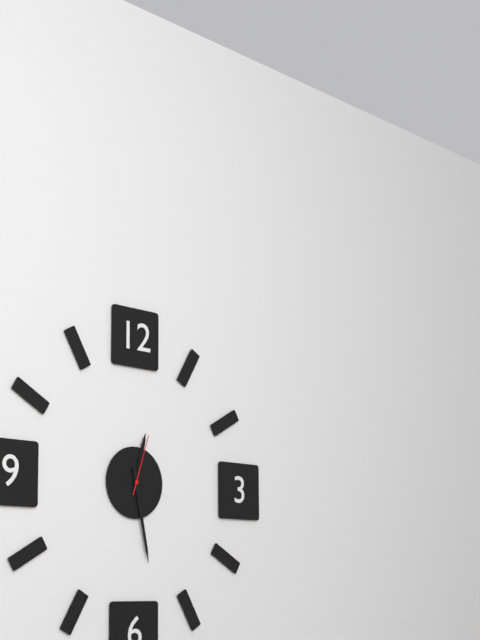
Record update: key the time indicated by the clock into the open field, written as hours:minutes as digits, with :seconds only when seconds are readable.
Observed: 12:28:03
